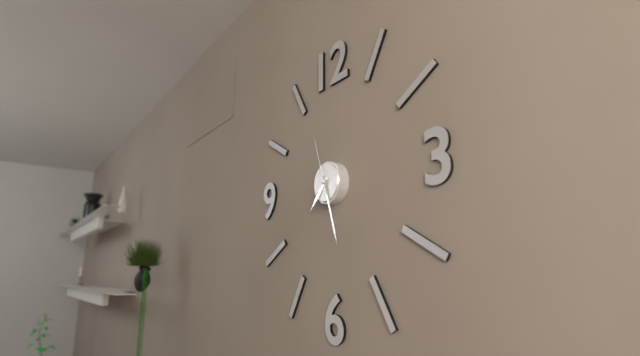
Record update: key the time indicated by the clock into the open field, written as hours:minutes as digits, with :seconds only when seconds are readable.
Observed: 7:27:57
